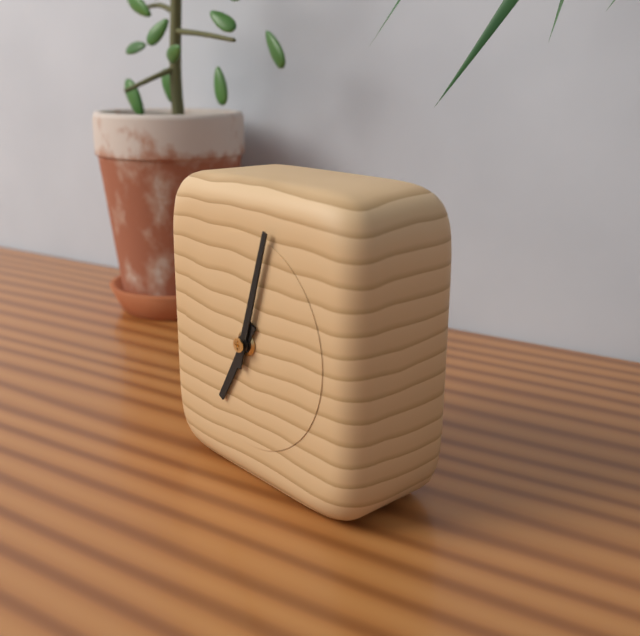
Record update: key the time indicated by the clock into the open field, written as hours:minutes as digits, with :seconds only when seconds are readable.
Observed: 7:03
